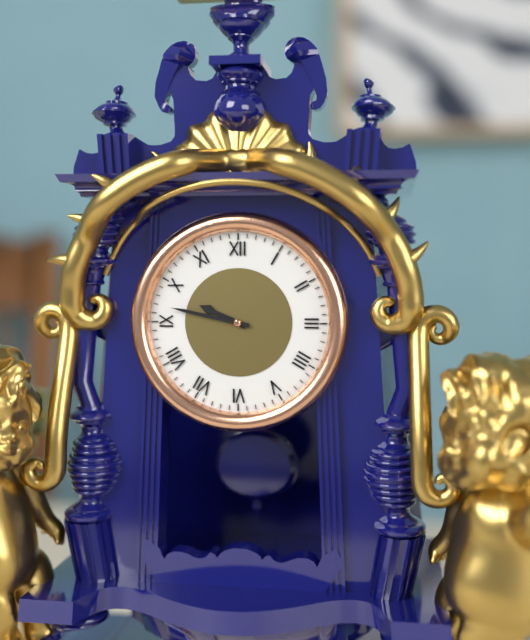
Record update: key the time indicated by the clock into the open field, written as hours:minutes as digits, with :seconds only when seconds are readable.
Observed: 9:47
